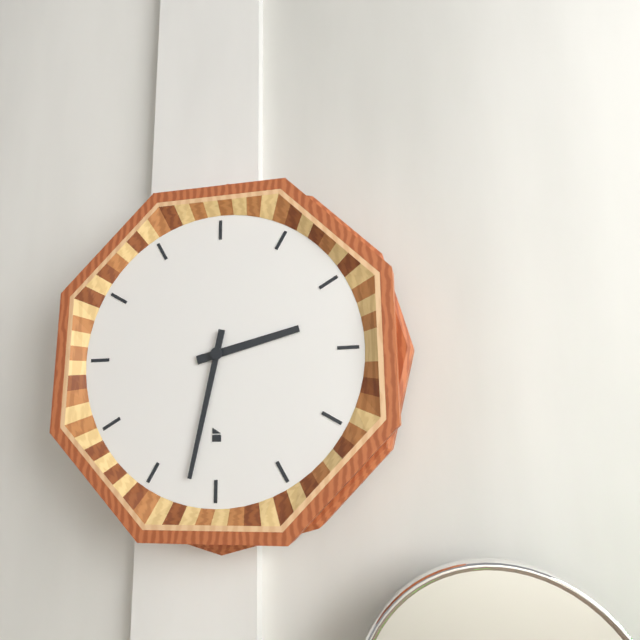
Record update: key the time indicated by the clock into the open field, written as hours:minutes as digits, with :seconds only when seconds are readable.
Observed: 2:32
